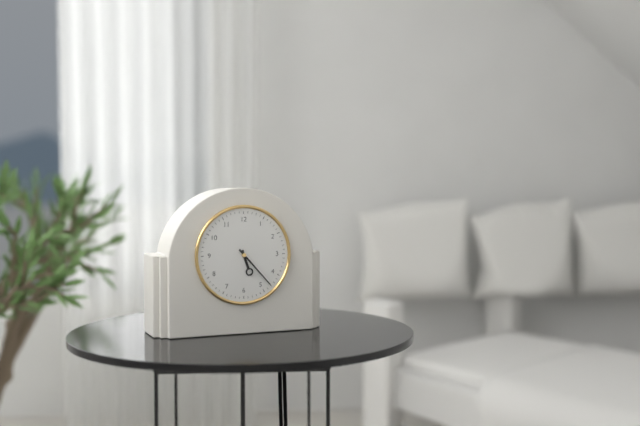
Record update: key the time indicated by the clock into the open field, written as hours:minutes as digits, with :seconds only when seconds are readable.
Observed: 5:23
